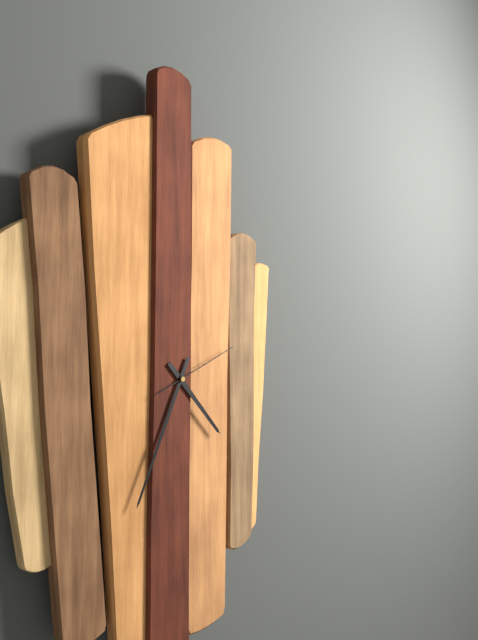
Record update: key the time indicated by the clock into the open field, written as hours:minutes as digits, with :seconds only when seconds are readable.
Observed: 4:34:11
